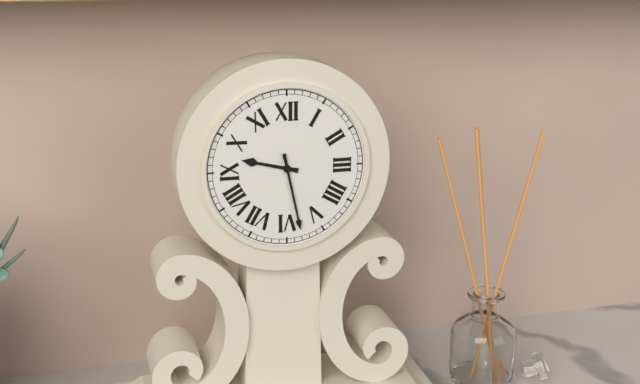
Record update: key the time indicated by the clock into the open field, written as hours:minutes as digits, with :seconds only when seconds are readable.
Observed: 9:28
